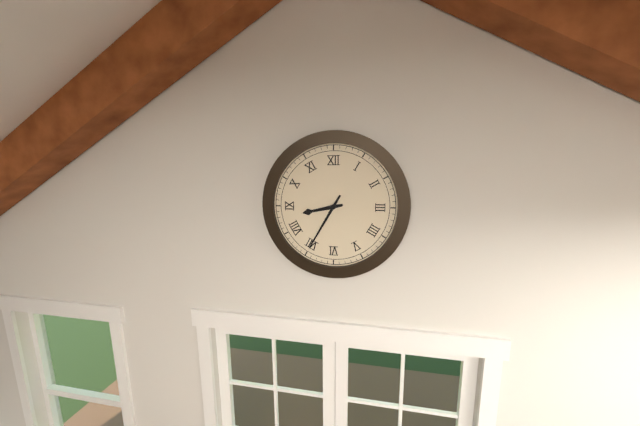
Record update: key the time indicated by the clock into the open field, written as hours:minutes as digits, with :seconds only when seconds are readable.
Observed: 8:35
